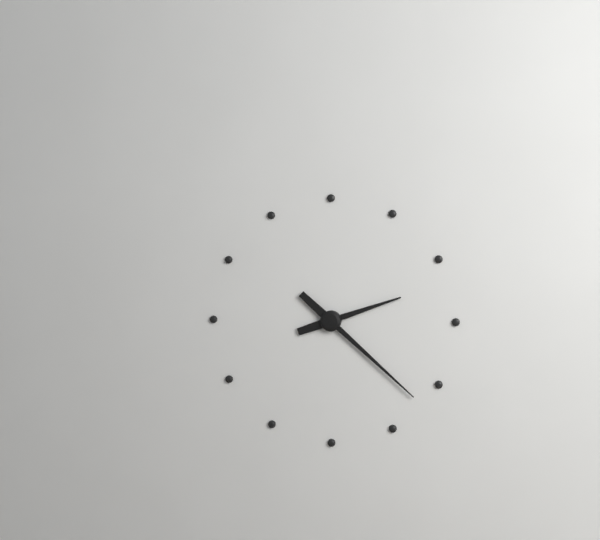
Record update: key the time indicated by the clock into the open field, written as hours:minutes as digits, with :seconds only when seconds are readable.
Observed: 2:22
